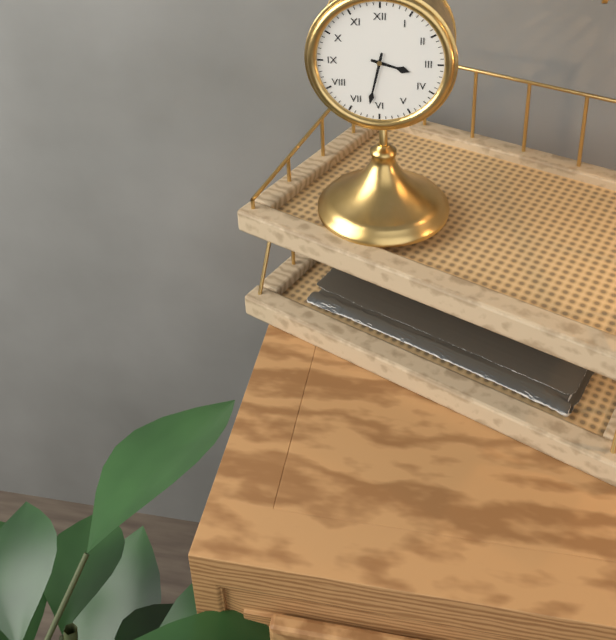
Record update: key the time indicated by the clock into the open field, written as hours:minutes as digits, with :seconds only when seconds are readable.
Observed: 3:32
